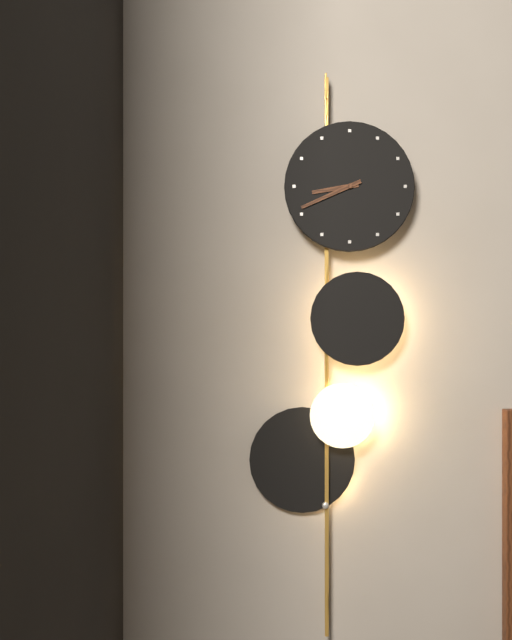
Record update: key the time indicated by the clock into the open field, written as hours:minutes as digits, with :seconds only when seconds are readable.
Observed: 8:41
